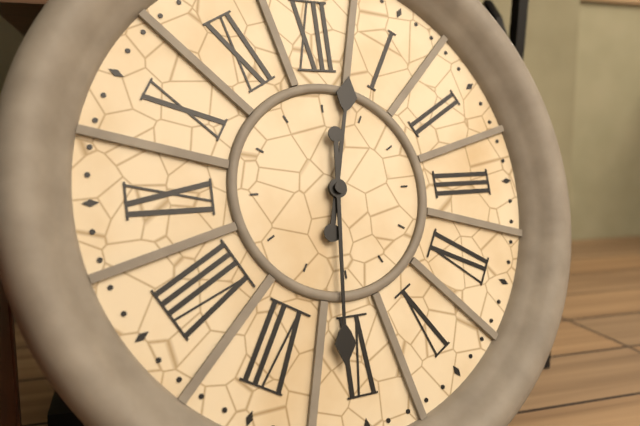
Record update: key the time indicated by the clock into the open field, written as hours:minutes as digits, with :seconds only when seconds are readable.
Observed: 12:31
